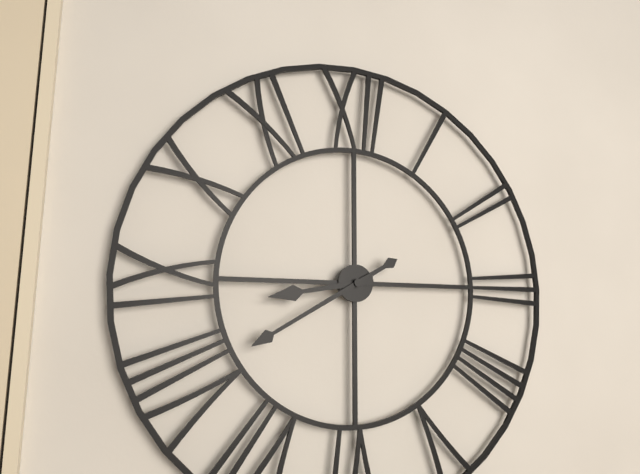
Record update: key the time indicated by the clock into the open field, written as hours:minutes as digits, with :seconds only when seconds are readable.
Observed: 8:40
